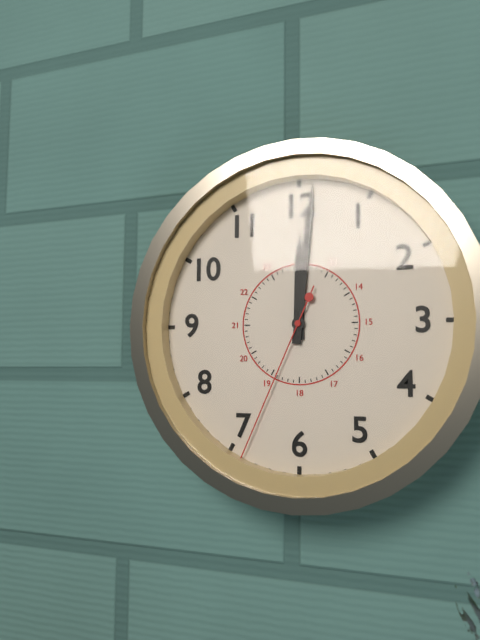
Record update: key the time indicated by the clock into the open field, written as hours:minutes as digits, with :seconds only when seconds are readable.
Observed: 12:01:34
